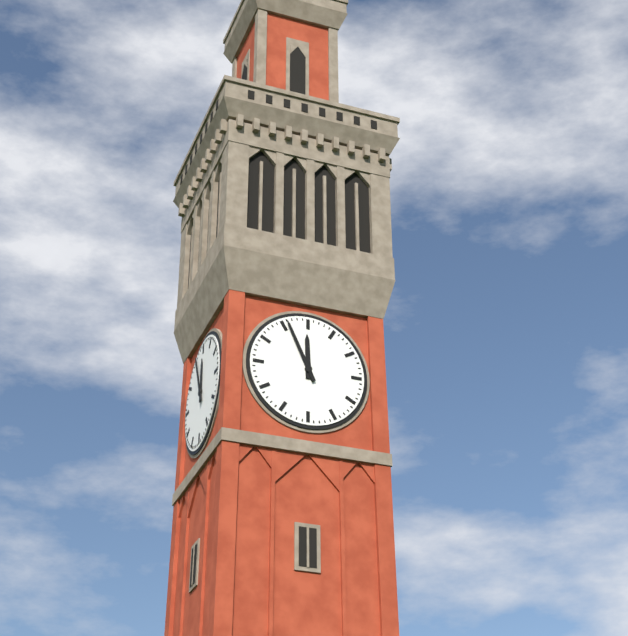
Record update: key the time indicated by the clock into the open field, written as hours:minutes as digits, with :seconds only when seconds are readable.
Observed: 11:56
